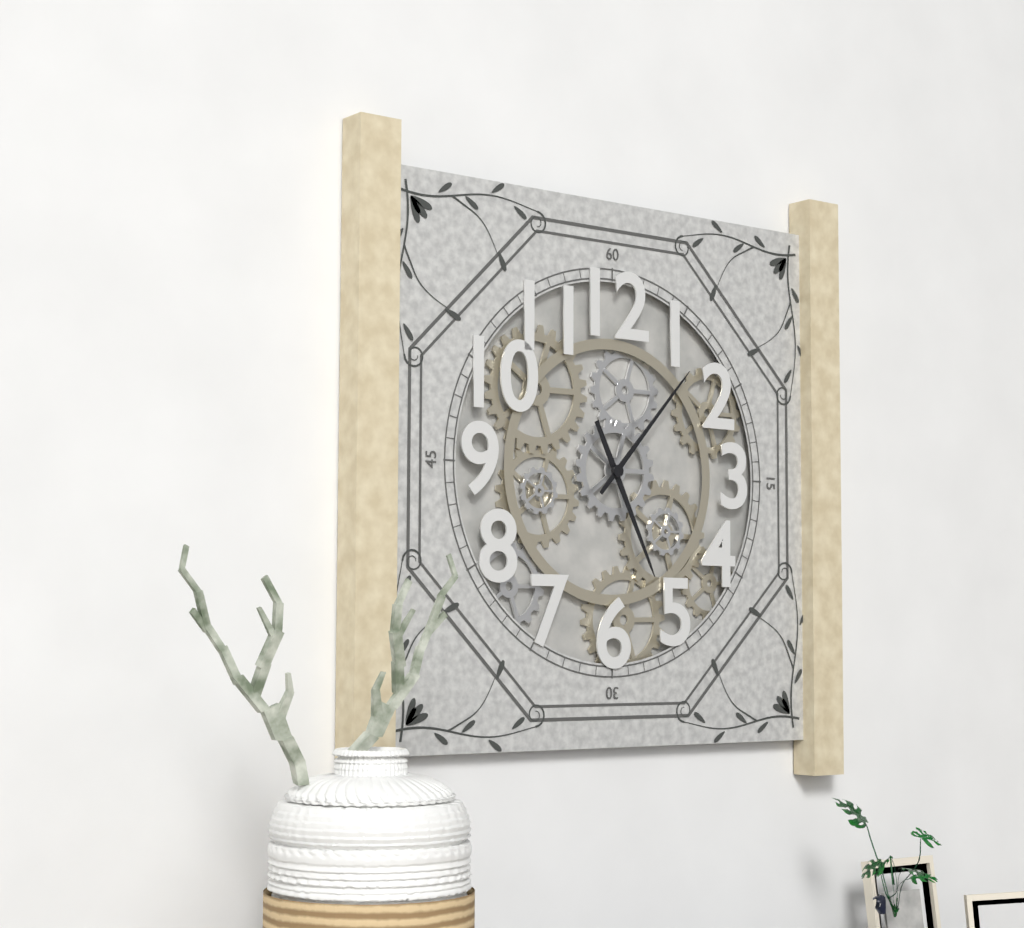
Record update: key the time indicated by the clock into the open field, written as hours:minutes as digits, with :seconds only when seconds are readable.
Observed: 5:07
